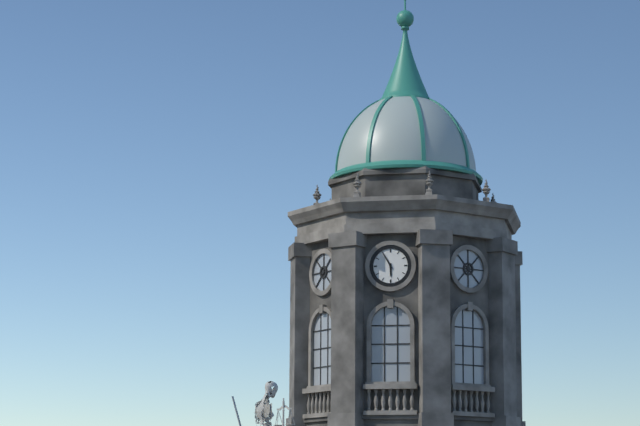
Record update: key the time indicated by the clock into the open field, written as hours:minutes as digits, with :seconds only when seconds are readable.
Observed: 5:55
